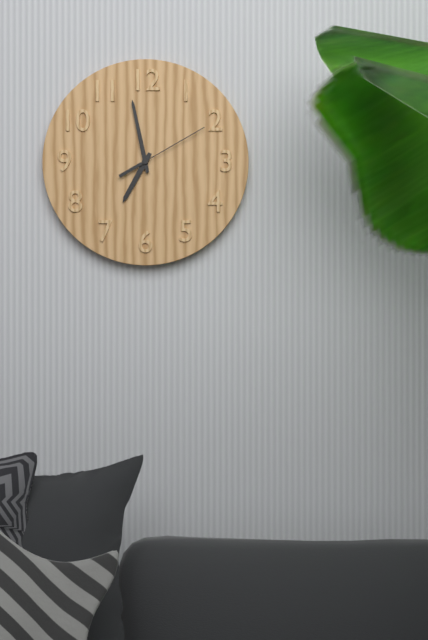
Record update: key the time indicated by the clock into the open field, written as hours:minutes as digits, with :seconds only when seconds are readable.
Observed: 6:58:10
